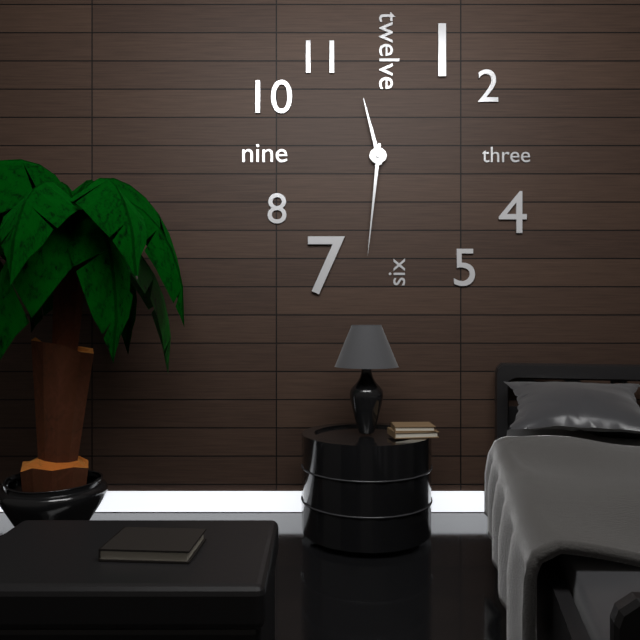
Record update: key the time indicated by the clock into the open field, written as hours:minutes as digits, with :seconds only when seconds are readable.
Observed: 11:31
